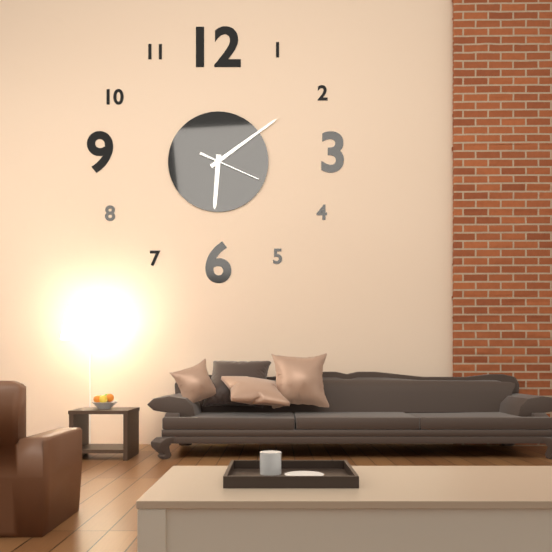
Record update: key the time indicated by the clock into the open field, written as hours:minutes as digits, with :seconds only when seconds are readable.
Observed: 6:09:19
